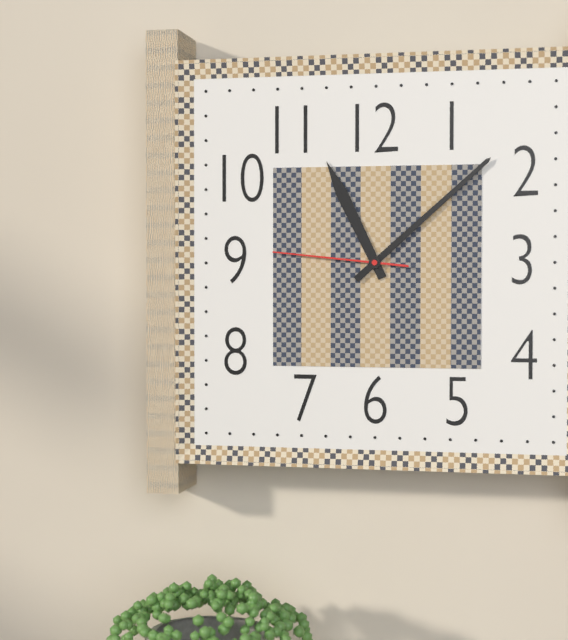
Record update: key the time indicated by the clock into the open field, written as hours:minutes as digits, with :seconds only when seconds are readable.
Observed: 11:08:46
